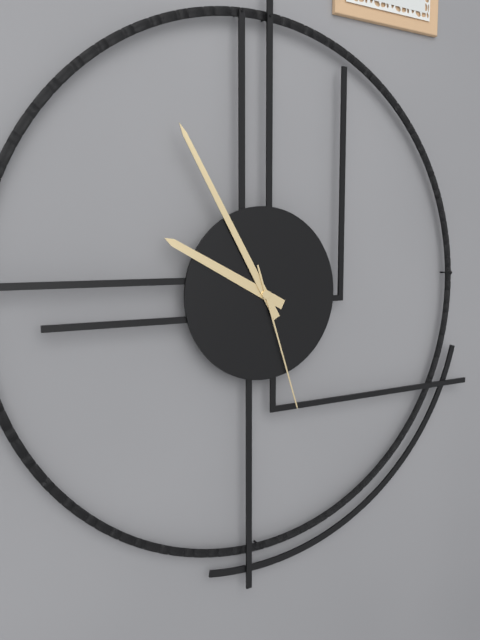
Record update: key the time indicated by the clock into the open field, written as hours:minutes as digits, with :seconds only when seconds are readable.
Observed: 9:55:27
